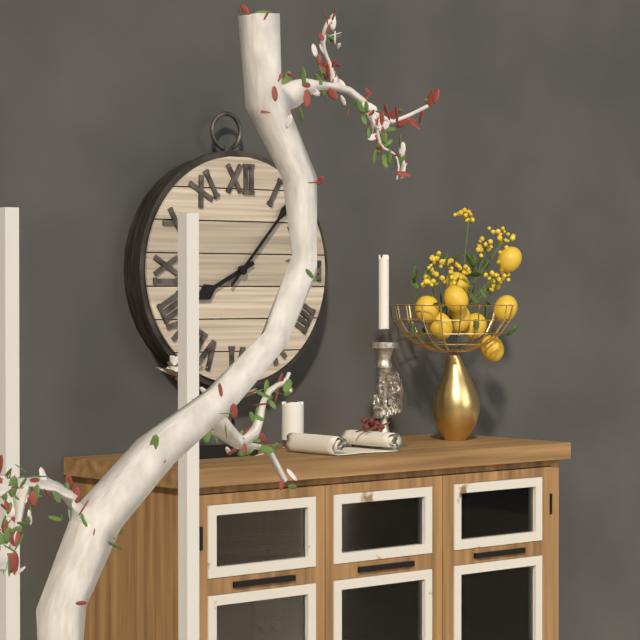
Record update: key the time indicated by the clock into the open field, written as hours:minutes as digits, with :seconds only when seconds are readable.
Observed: 8:07
